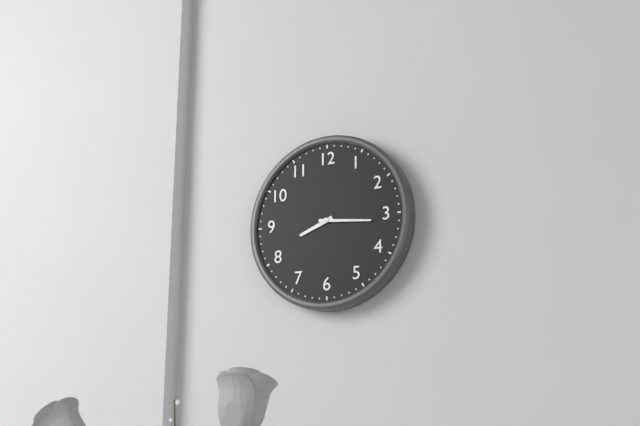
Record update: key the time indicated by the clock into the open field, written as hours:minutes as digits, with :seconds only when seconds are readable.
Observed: 8:16
